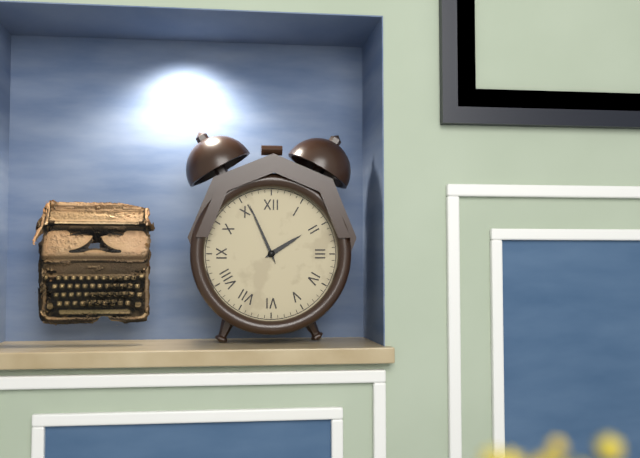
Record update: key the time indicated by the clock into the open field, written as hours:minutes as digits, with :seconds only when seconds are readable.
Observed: 1:56
